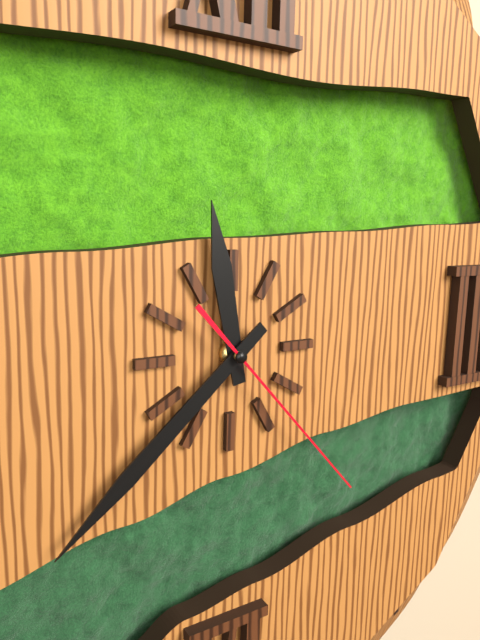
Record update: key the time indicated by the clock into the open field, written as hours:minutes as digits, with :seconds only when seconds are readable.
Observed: 11:38:23
